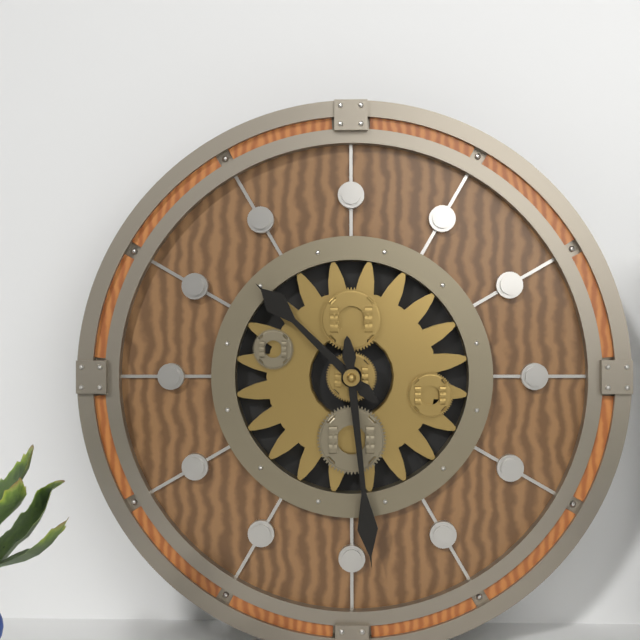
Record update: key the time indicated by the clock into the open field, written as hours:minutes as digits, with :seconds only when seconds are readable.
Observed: 10:29
